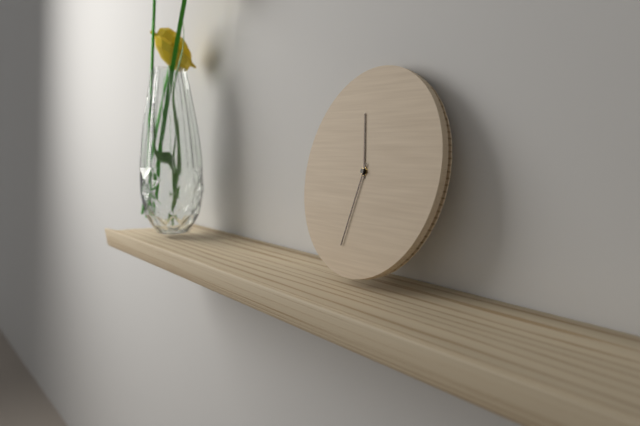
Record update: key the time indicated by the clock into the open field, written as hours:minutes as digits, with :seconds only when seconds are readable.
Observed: 11:32
